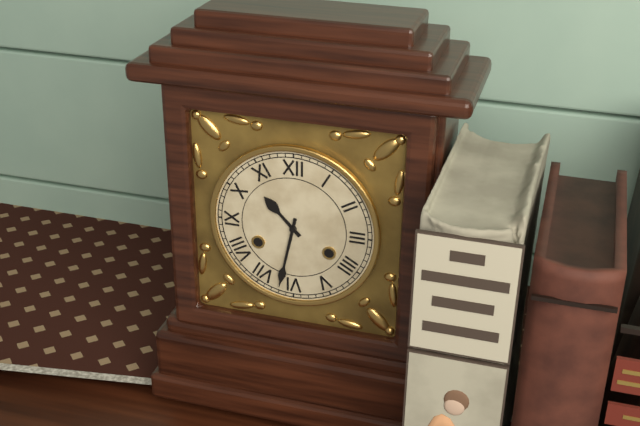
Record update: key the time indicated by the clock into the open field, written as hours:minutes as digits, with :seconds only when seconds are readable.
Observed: 10:32
